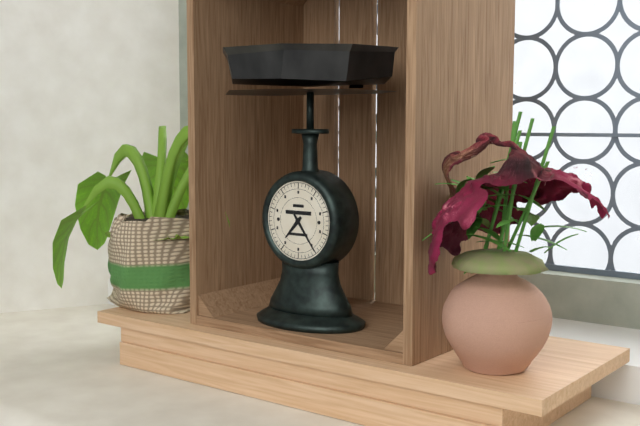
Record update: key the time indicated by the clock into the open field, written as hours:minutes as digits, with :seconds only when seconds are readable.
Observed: 7:24
